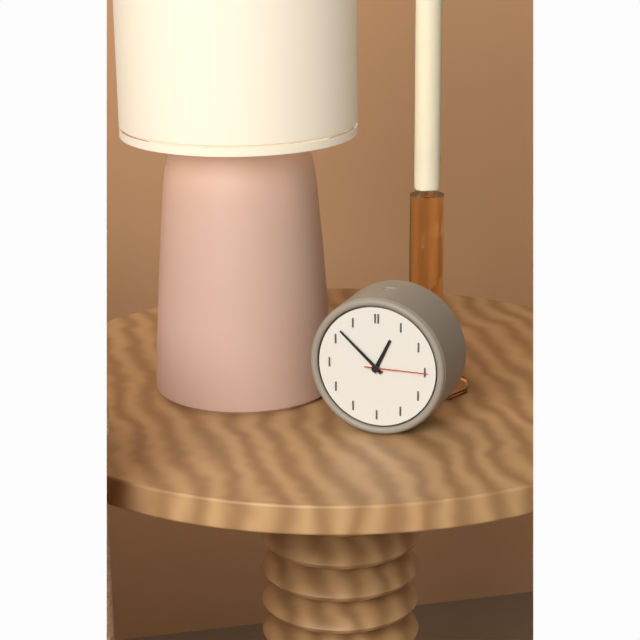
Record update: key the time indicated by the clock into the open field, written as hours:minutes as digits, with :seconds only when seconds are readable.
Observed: 12:52:15
